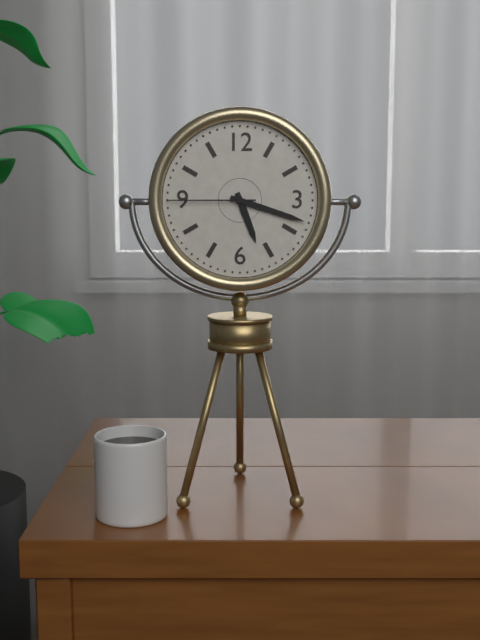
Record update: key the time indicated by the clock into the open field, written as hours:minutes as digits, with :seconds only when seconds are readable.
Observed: 5:18:45
